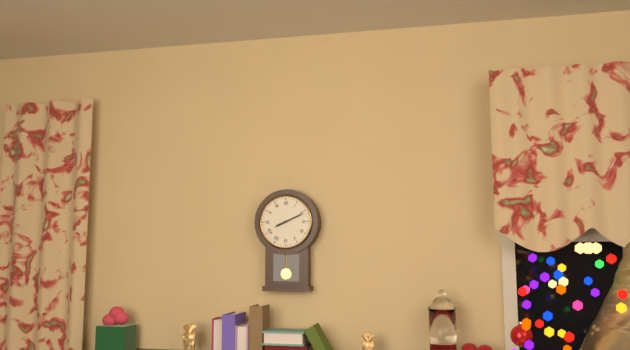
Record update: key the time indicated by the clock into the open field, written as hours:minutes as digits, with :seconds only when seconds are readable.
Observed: 8:11
